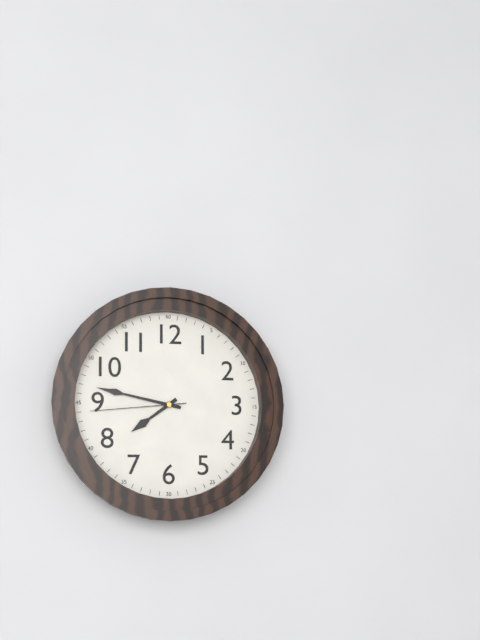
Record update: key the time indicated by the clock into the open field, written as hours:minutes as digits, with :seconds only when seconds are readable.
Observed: 7:47:44
